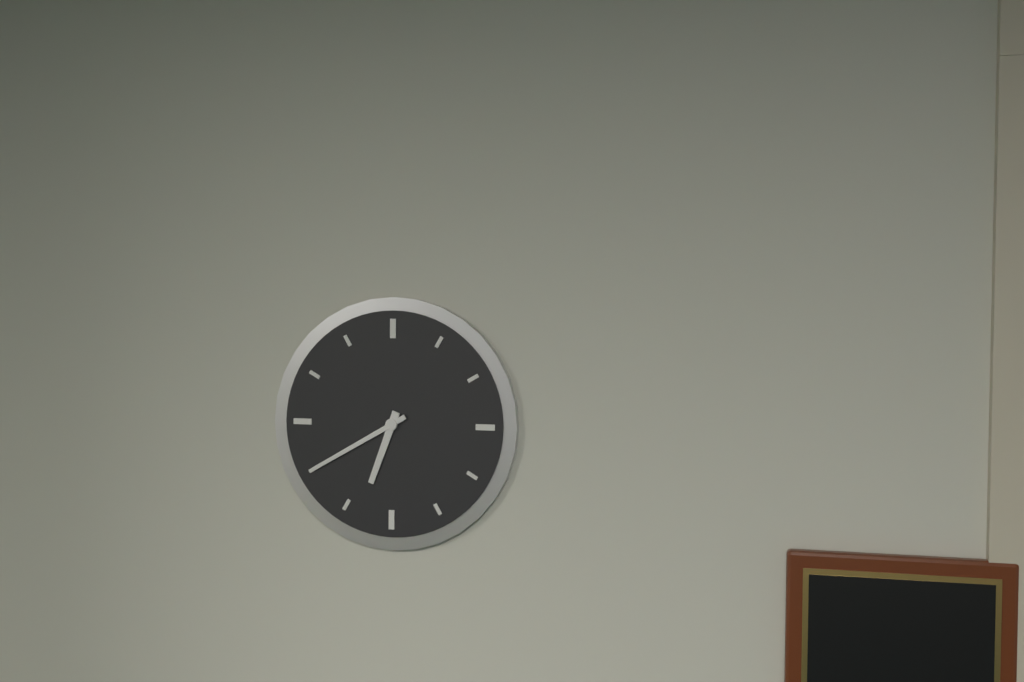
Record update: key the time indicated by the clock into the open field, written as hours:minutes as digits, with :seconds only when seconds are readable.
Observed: 6:40
